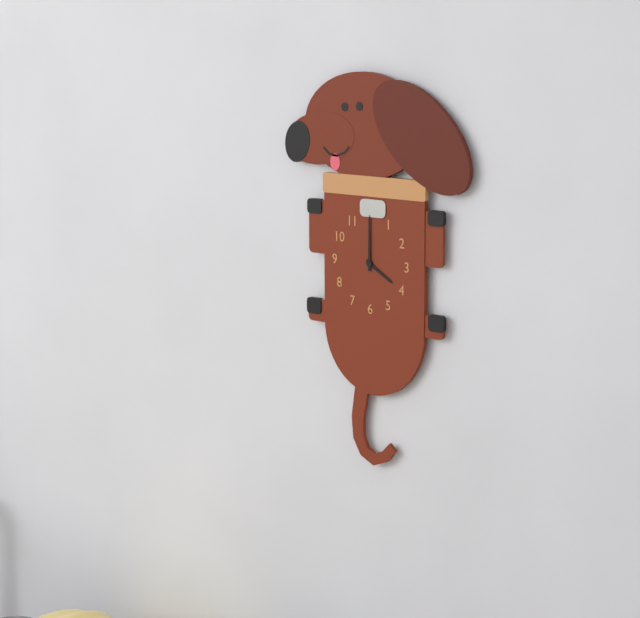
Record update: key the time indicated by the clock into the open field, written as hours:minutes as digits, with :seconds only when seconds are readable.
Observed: 4:00
